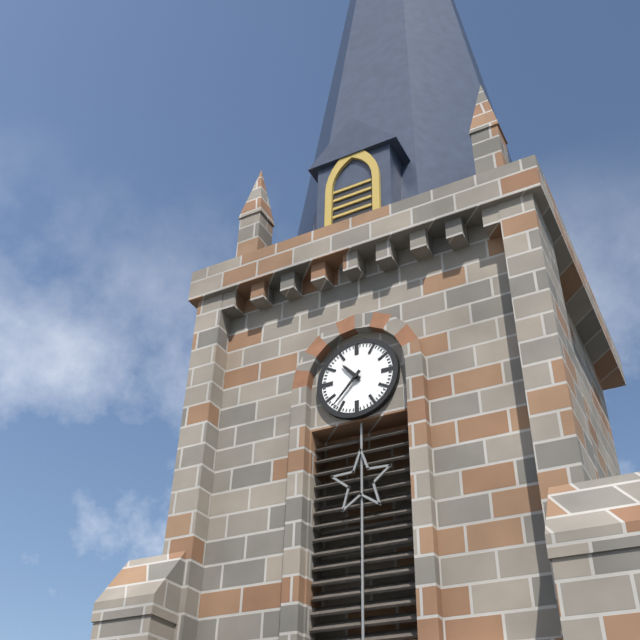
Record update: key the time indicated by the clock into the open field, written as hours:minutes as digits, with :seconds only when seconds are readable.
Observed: 10:37
